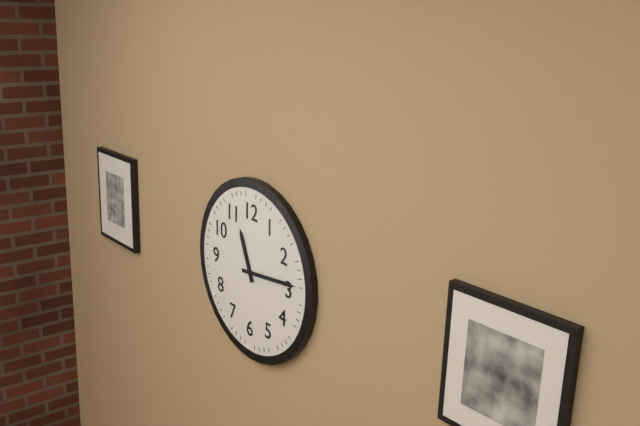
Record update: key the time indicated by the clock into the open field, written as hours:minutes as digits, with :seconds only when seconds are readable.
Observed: 11:14
